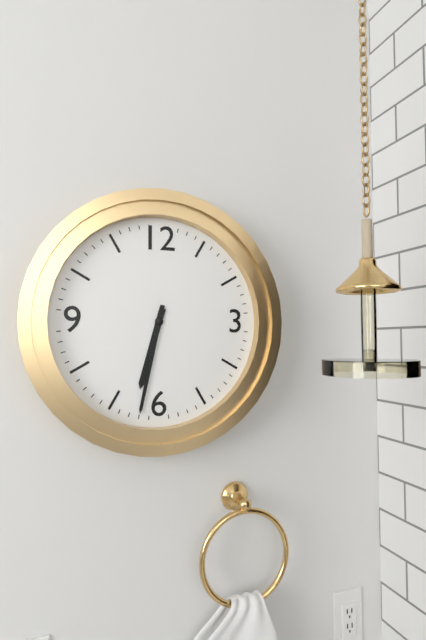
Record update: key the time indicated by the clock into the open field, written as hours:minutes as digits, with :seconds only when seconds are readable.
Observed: 6:32
